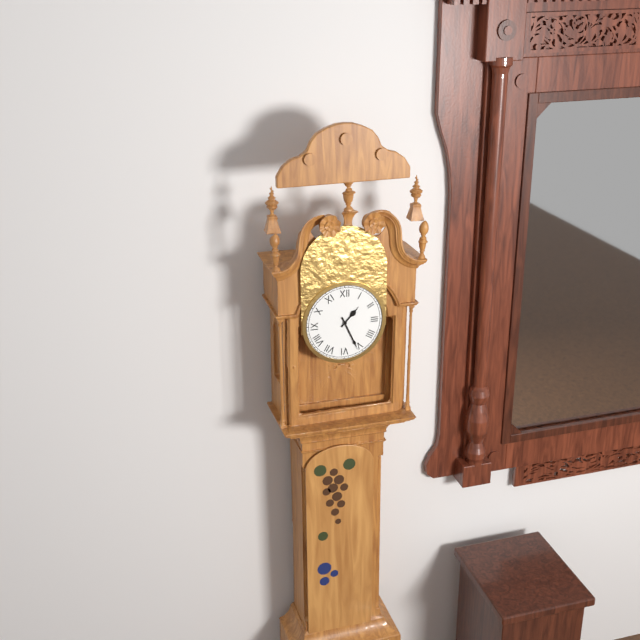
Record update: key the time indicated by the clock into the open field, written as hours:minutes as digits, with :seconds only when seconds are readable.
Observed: 1:26
